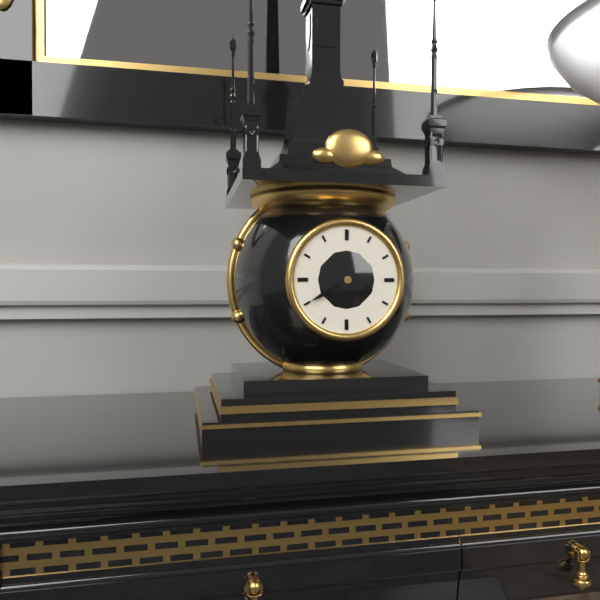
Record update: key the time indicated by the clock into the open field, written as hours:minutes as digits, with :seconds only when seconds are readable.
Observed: 3:40
